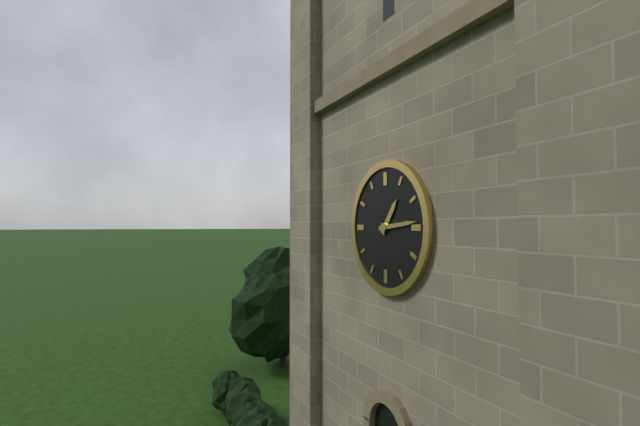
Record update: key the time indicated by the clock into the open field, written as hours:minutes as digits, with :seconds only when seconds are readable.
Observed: 1:14
